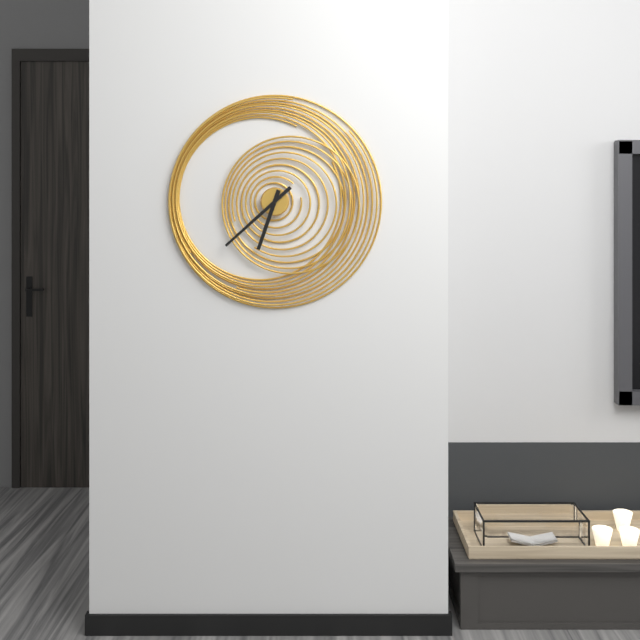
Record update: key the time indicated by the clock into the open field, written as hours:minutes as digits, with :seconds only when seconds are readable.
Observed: 6:38
